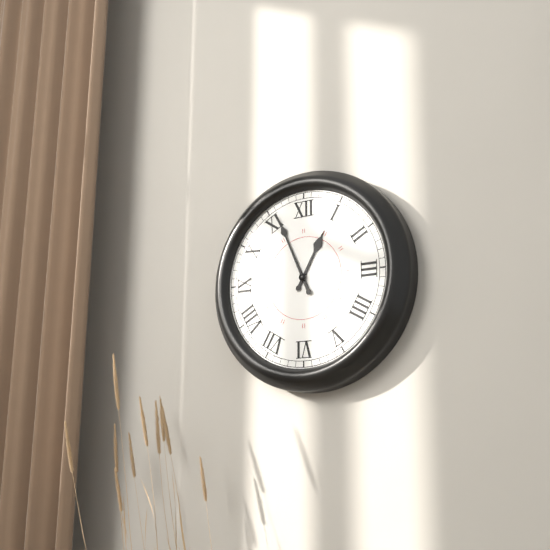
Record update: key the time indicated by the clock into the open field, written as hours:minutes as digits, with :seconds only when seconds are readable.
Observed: 12:56
